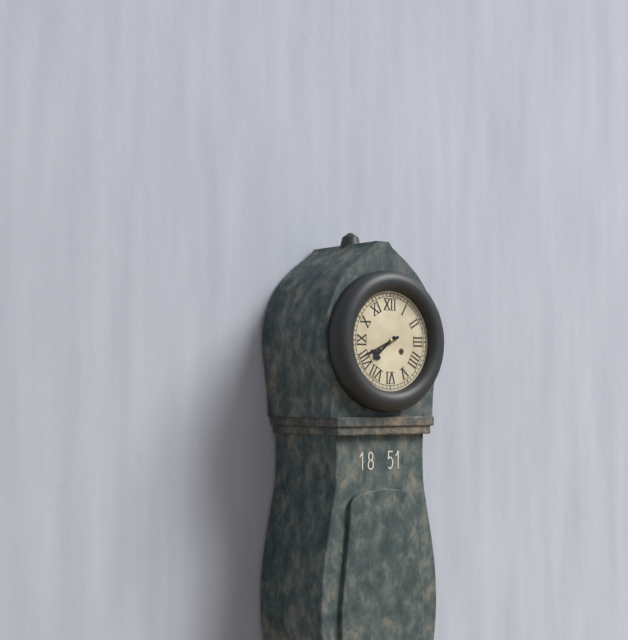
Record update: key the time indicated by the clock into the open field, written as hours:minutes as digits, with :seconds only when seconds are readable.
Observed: 7:41
